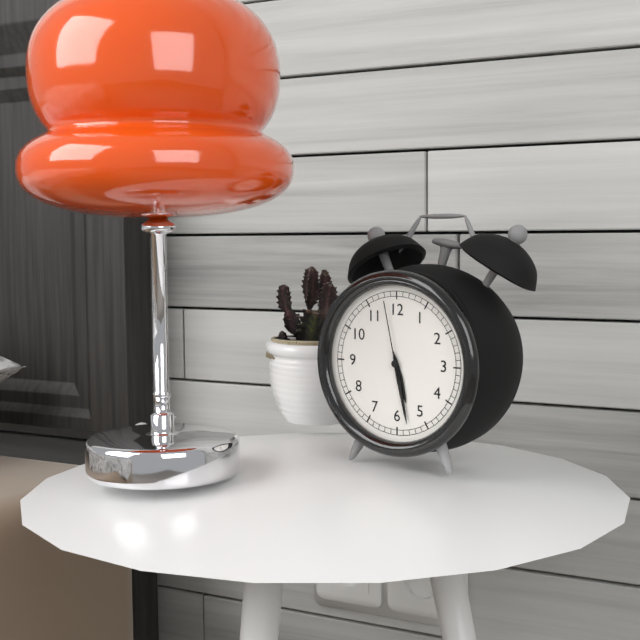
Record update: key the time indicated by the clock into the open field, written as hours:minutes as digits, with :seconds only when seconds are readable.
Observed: 5:28:58
